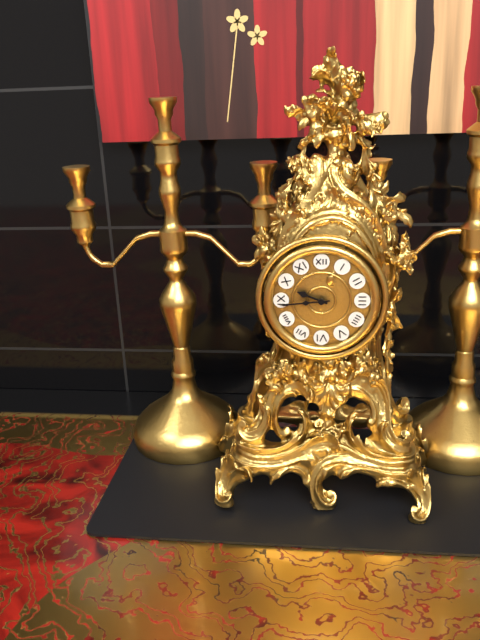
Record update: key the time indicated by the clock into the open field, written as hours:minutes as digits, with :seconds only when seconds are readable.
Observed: 9:44
